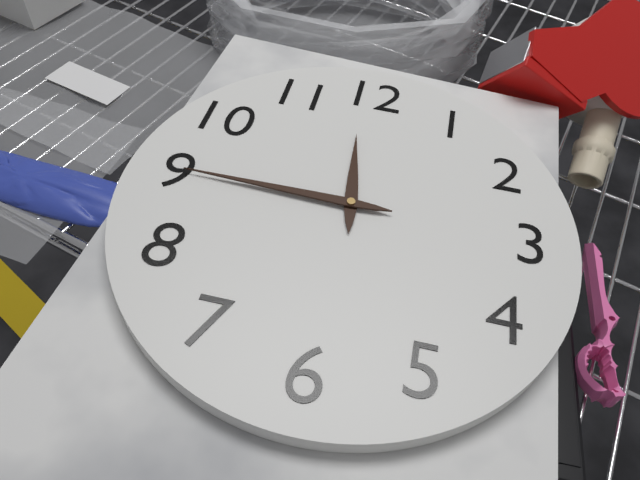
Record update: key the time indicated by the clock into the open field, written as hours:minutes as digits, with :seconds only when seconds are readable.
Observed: 11:45
